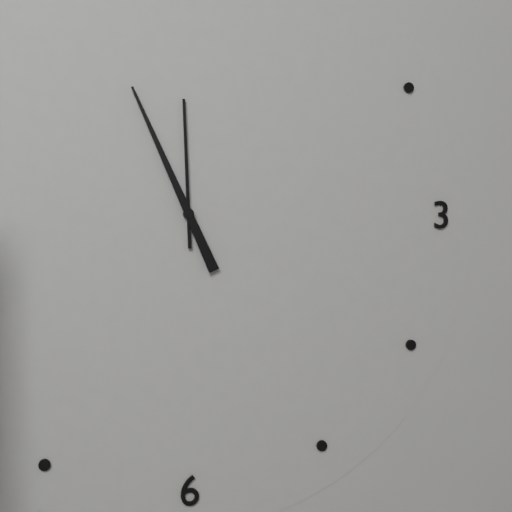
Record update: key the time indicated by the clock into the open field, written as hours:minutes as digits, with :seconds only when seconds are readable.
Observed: 11:56
